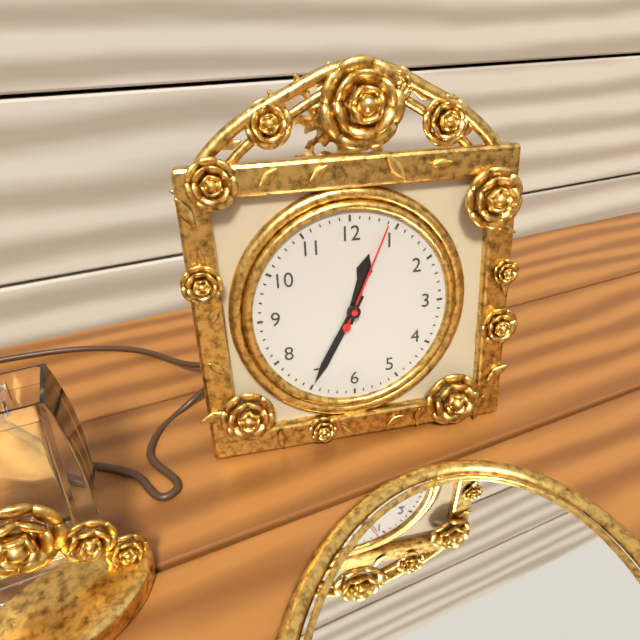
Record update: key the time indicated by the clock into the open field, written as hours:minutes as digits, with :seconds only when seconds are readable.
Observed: 12:35:04
